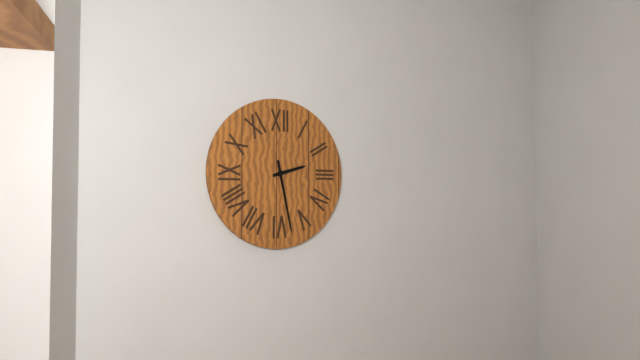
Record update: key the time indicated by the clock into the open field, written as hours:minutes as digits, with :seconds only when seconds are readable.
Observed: 2:28
